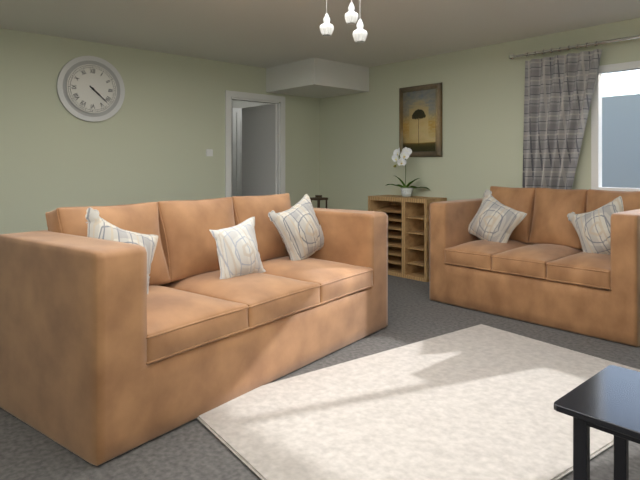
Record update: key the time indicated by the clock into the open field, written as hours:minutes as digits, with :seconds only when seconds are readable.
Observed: 4:22
